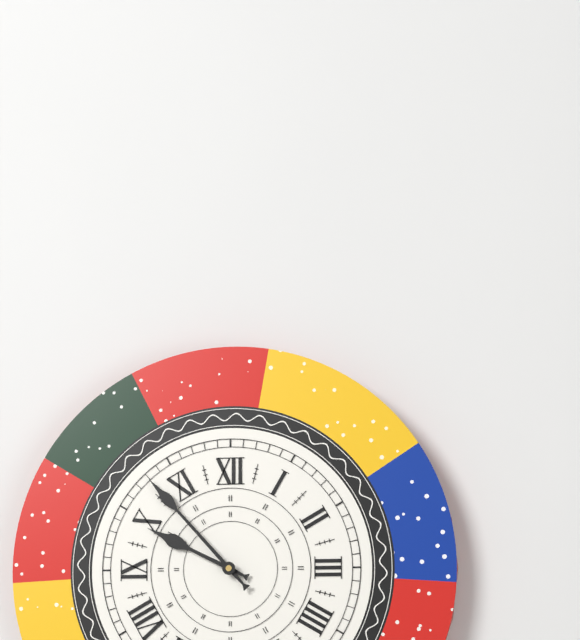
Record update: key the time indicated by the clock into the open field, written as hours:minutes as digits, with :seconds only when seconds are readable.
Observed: 9:53
